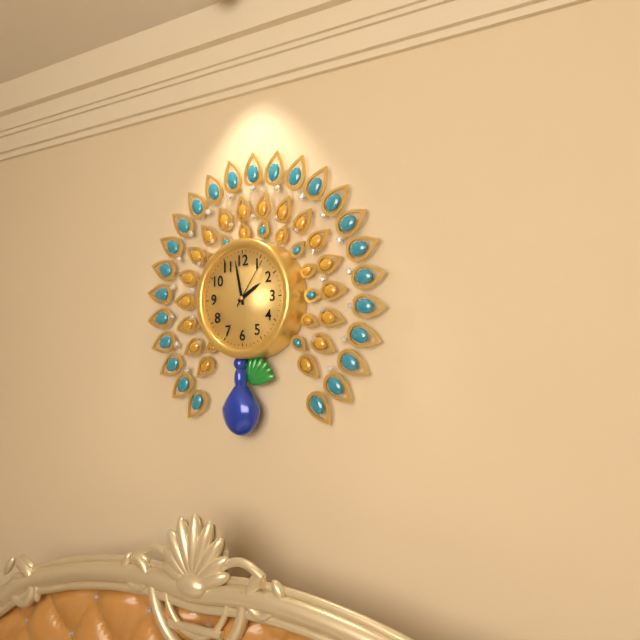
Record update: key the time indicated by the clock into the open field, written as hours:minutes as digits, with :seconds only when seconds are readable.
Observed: 1:58:06
